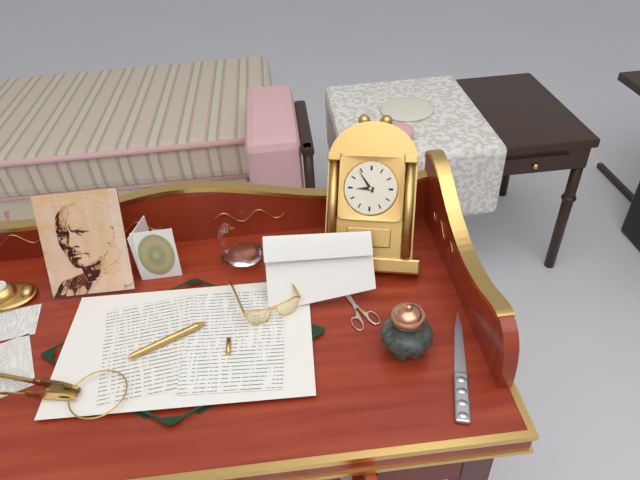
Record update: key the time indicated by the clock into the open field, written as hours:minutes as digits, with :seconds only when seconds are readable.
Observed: 8:54
